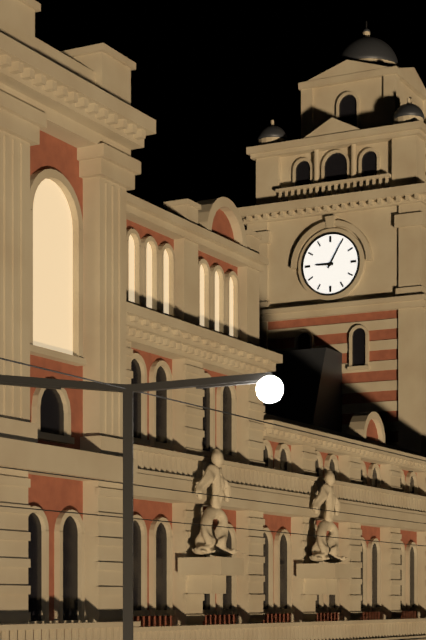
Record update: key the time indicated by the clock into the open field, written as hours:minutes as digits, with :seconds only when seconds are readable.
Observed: 9:05
